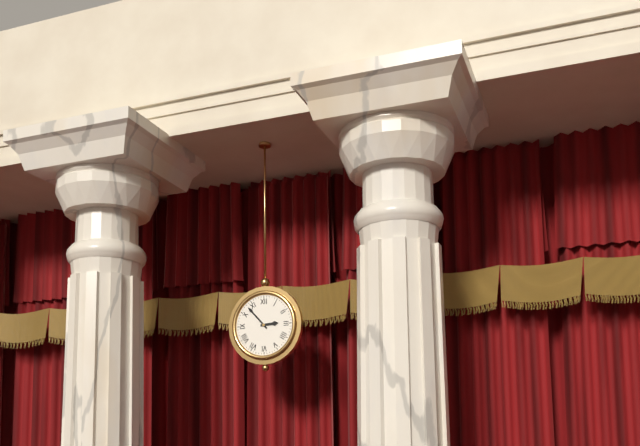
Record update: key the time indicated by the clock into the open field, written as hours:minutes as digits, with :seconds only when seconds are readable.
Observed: 2:53
